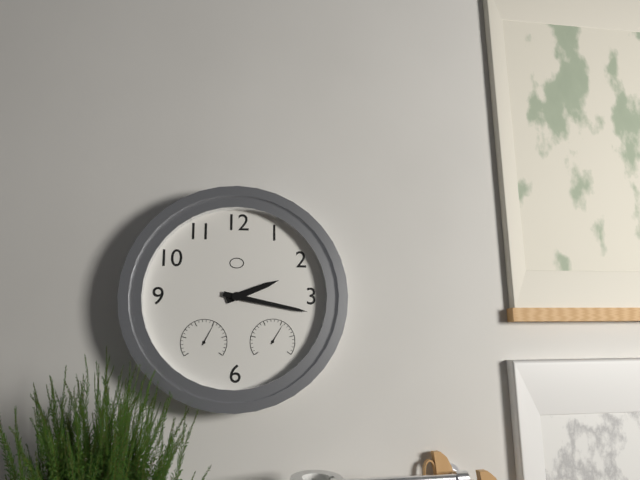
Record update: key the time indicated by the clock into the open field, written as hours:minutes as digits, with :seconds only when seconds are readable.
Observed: 2:17
